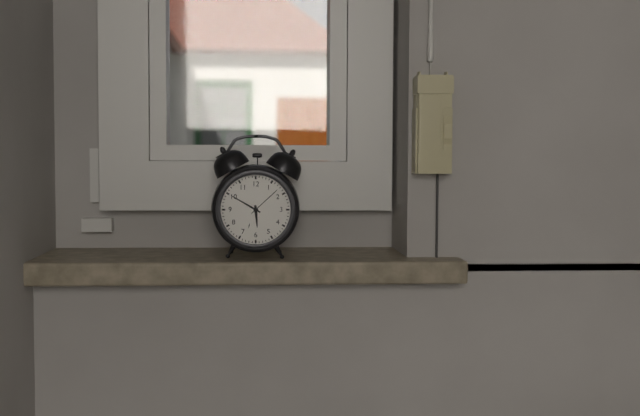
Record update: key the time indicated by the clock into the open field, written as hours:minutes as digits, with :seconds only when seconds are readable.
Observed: 5:50
